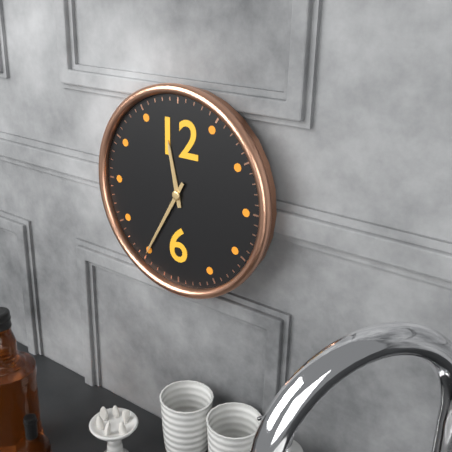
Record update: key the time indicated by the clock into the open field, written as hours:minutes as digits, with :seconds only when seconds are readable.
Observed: 11:35
